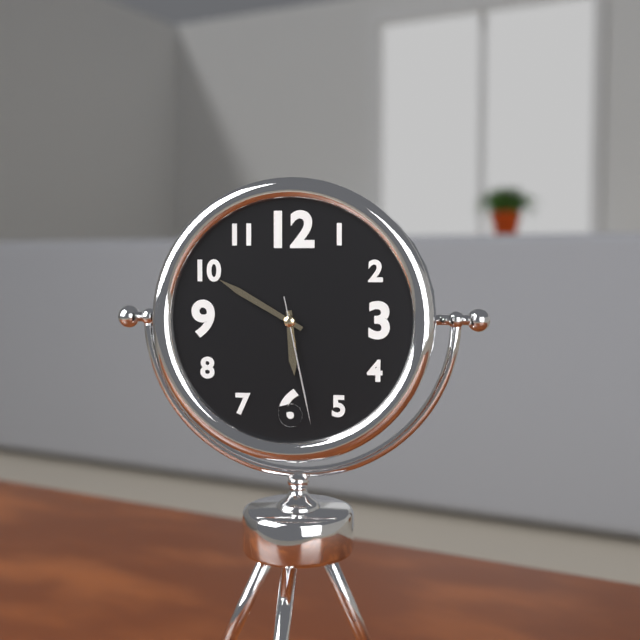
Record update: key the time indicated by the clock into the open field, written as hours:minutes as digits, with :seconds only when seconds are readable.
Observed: 5:50:28
